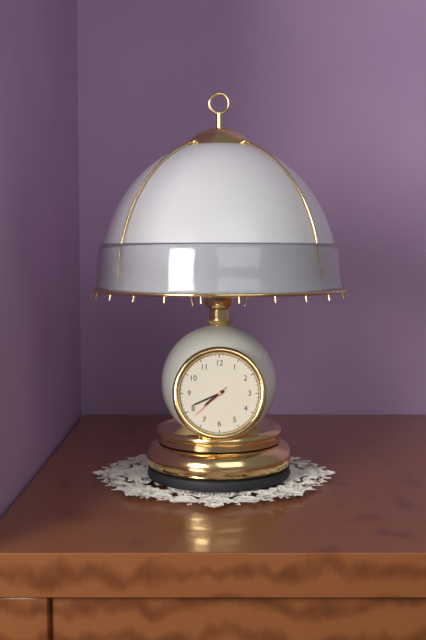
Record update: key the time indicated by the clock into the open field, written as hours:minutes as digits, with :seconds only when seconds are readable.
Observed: 7:41
